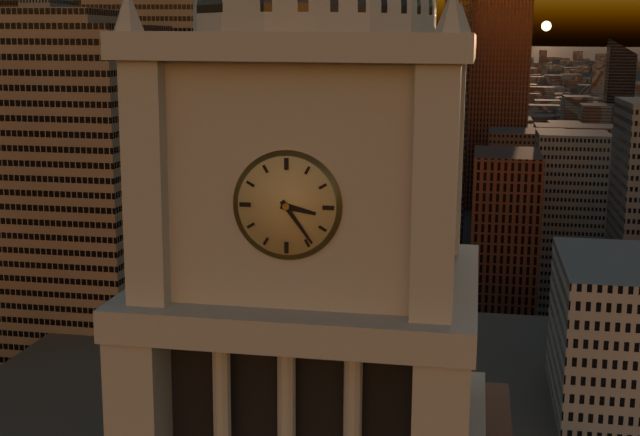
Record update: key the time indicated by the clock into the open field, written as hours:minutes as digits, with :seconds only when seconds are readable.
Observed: 3:24
